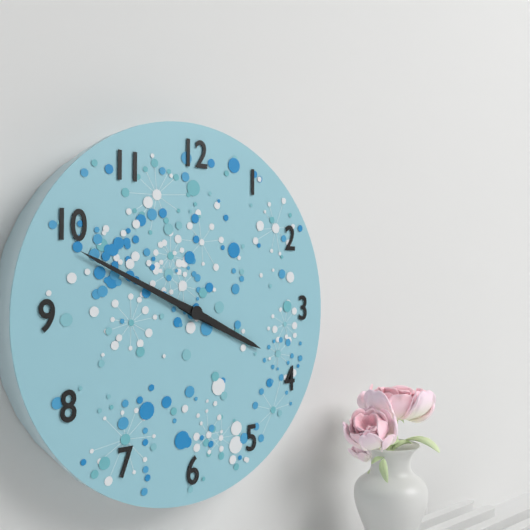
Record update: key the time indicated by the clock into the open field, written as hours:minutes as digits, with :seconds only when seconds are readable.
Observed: 3:49
